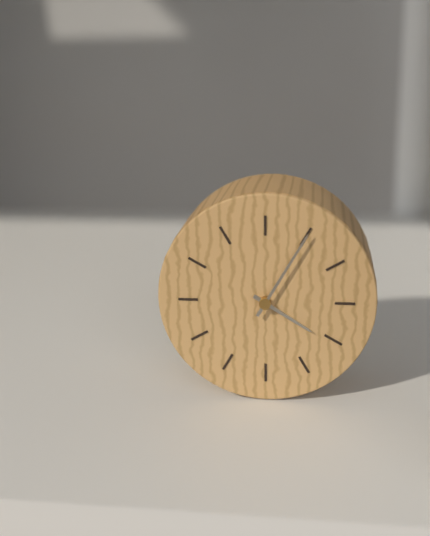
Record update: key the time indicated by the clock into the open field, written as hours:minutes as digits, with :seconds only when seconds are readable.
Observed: 4:05
